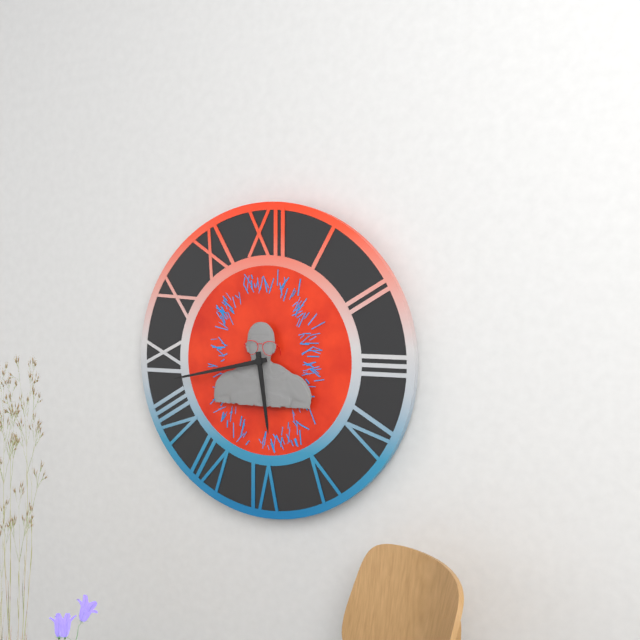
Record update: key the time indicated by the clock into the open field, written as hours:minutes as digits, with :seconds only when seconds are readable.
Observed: 5:43
